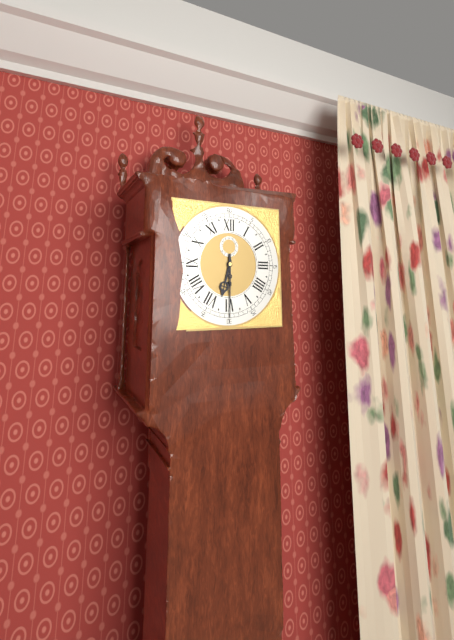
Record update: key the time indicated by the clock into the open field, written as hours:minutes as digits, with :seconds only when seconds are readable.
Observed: 6:30
